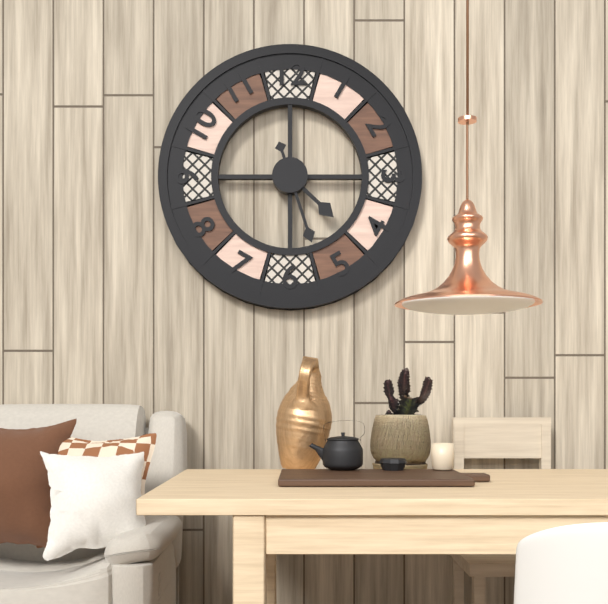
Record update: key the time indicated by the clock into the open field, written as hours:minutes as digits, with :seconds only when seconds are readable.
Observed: 4:27
